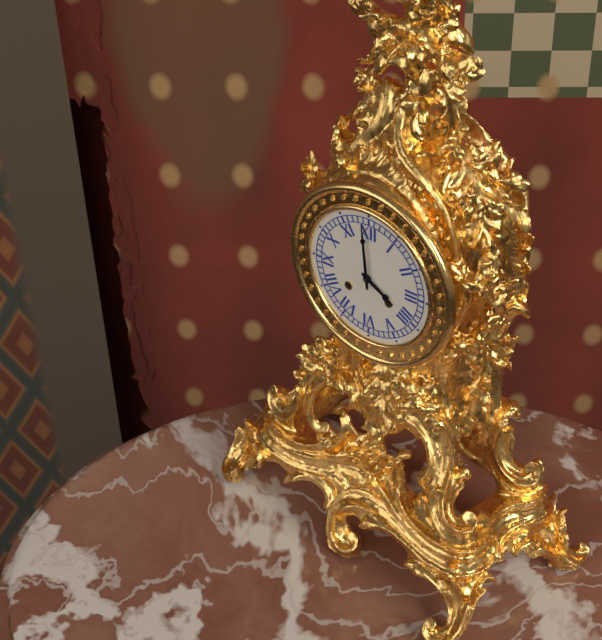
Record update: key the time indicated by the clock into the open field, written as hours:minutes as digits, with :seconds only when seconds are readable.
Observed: 3:59
